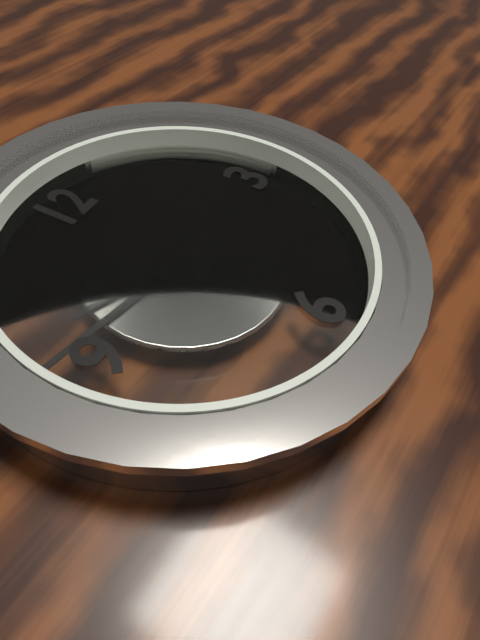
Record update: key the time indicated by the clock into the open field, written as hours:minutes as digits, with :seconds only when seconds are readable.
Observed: 9:47
